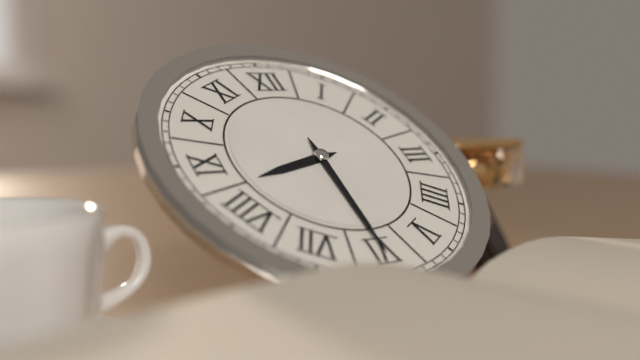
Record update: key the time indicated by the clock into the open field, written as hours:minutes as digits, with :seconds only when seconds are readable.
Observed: 8:30
